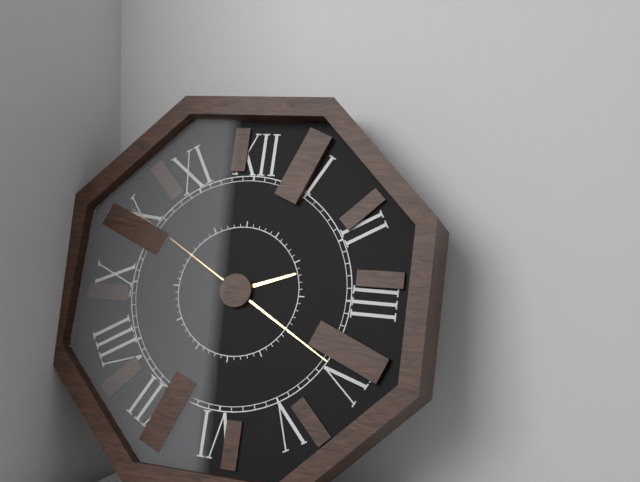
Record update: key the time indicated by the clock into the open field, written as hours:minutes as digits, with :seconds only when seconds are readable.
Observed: 2:20:50
